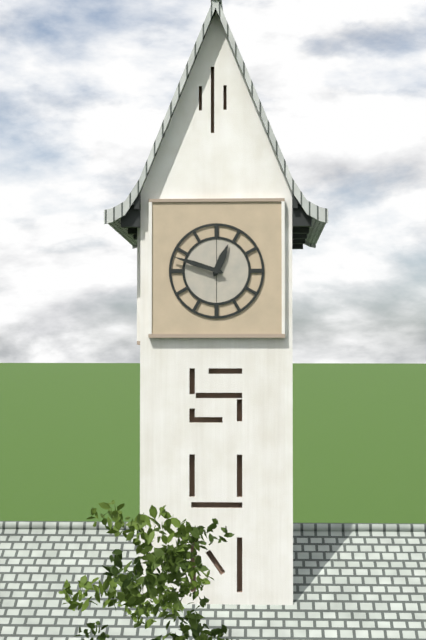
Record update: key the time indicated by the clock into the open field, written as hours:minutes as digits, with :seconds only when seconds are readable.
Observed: 12:48
